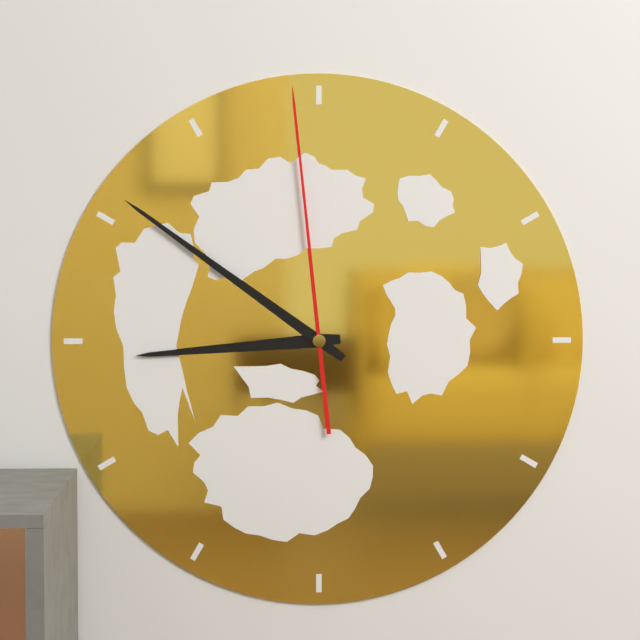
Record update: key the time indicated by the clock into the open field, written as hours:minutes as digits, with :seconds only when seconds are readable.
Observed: 8:51:59
